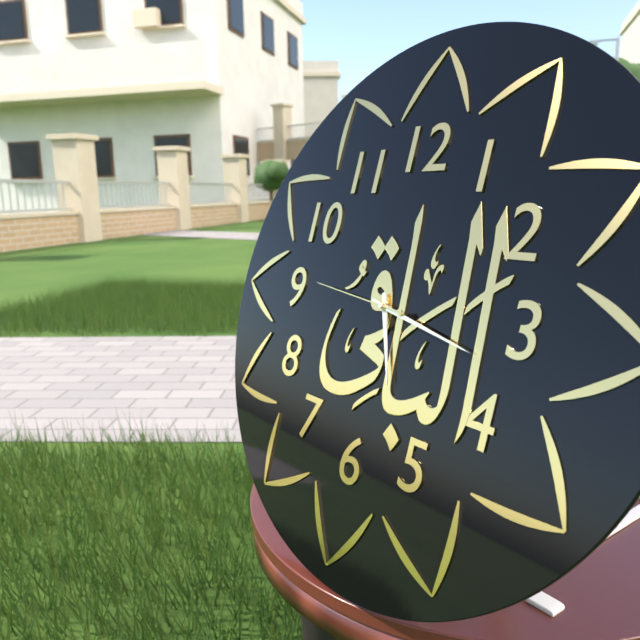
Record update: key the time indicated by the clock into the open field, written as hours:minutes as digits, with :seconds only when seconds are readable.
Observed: 5:17:46
